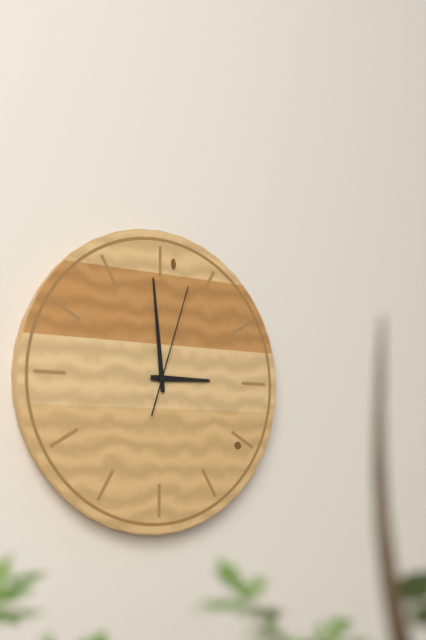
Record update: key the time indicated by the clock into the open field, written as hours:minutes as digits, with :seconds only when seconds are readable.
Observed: 2:59:03
